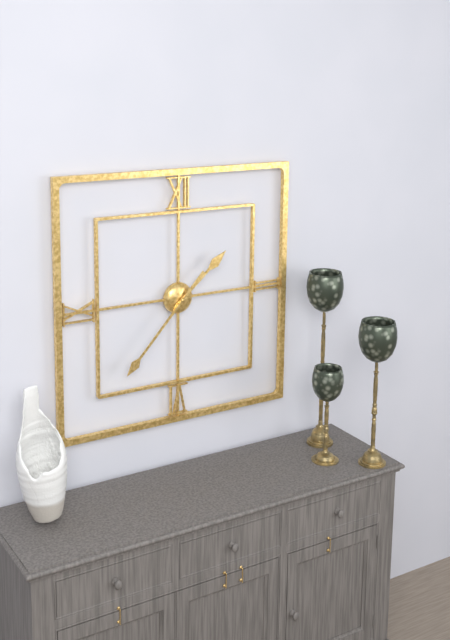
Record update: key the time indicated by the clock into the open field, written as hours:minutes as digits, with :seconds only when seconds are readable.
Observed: 1:37
